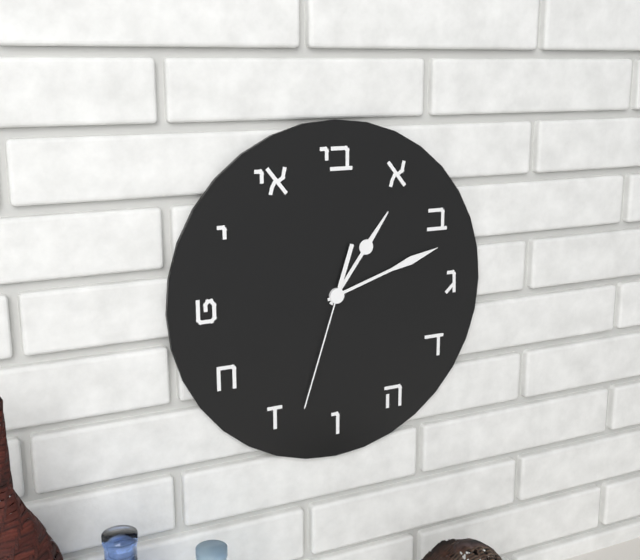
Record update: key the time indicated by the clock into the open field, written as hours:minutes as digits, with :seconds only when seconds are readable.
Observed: 1:12:33
